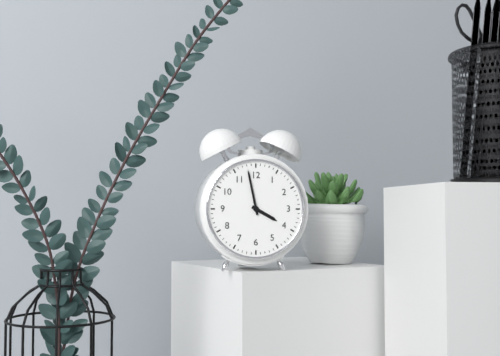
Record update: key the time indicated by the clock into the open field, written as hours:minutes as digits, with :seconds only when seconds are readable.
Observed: 3:58
